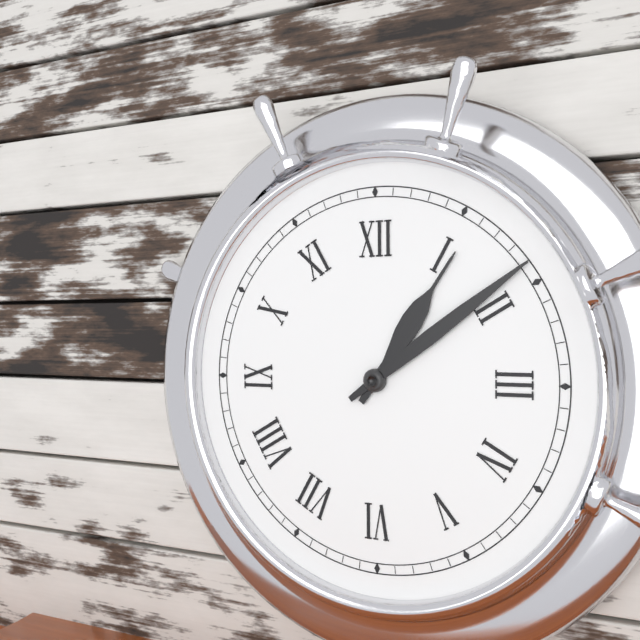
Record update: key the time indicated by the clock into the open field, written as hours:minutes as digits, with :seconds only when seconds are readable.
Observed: 1:09
